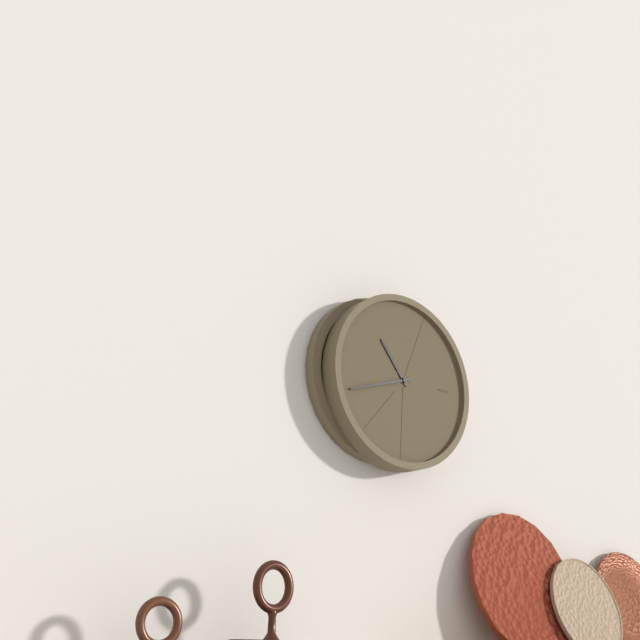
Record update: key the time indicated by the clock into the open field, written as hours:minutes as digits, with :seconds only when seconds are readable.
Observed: 10:42
